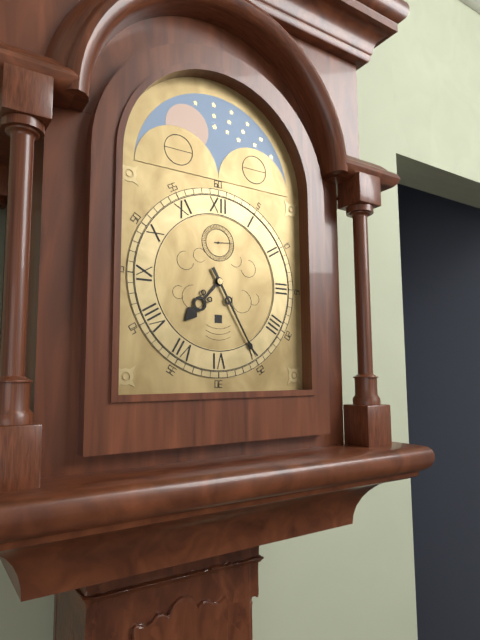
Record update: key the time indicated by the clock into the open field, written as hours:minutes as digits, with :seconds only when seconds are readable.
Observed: 7:25
